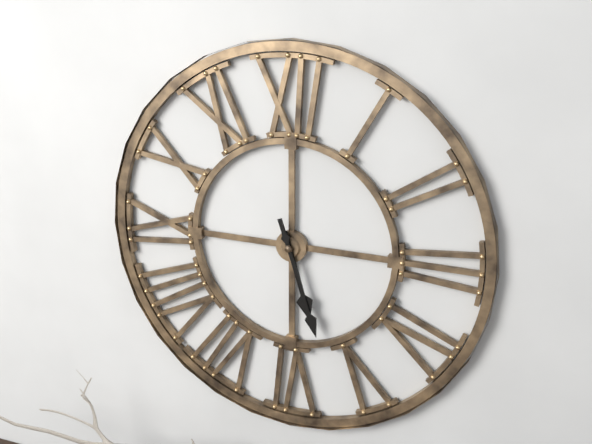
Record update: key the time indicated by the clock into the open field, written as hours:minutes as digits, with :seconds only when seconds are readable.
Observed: 5:27
